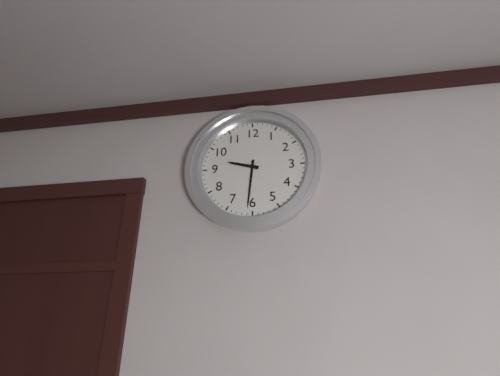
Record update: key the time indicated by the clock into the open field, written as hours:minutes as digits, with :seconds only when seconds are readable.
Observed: 9:31
